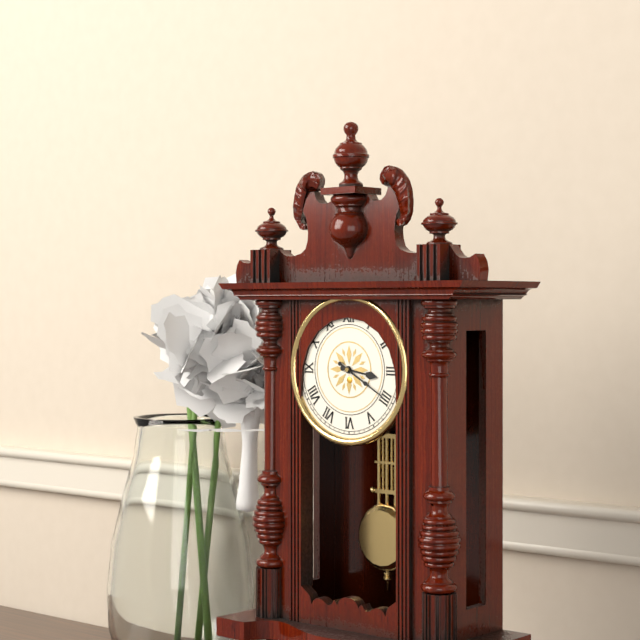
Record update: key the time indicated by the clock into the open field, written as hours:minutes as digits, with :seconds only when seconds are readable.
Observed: 3:20
